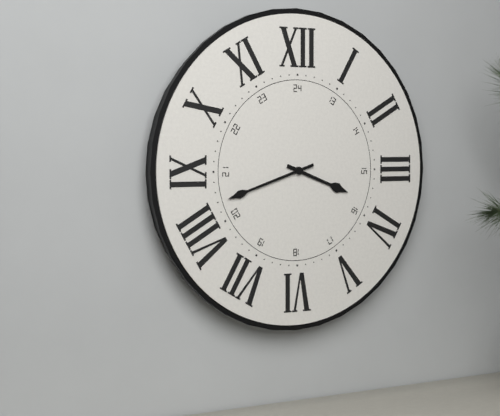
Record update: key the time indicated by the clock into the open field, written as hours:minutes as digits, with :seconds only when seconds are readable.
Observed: 3:42
